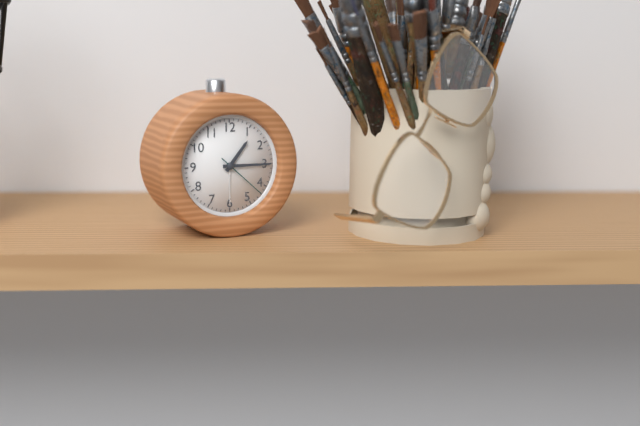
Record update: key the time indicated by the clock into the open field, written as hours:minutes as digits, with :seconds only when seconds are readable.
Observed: 1:15:22
